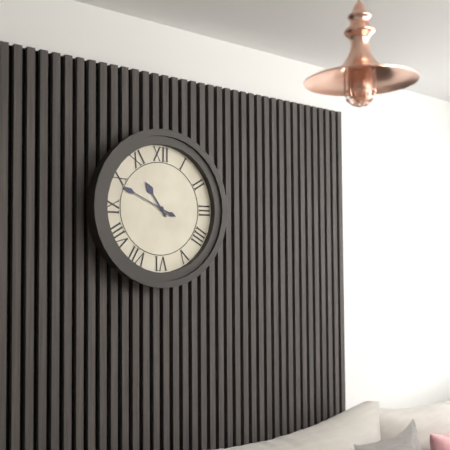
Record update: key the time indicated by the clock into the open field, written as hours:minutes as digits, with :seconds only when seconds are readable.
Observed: 10:49
